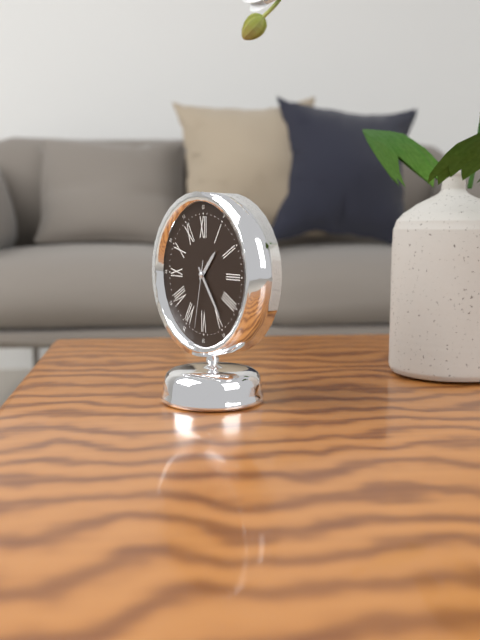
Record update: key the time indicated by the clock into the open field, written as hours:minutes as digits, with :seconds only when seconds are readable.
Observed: 1:24:32
